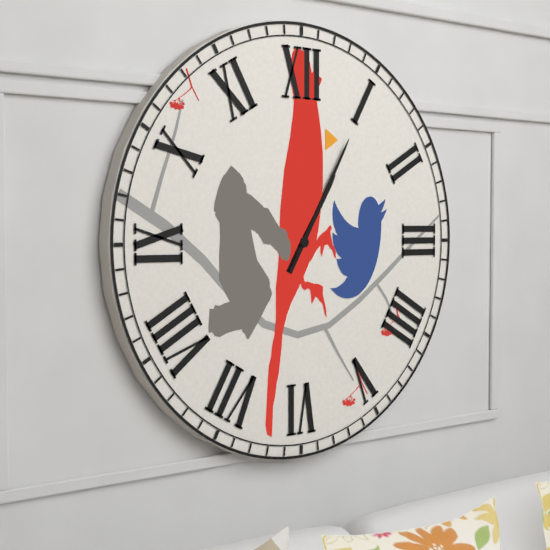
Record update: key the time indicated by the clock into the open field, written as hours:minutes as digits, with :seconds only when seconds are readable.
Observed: 1:05
